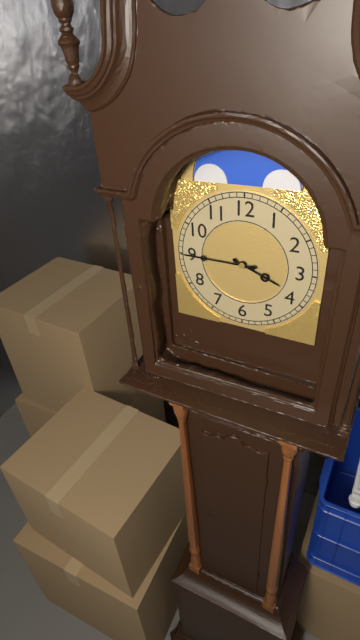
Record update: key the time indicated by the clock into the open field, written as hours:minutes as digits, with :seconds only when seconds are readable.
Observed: 3:45
